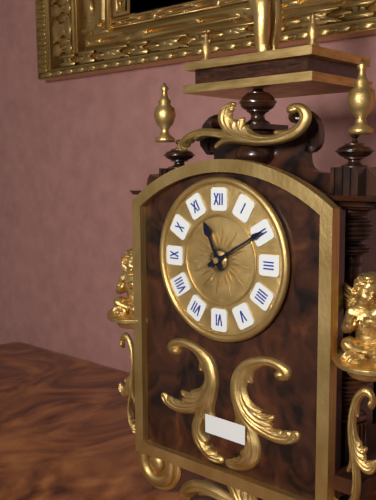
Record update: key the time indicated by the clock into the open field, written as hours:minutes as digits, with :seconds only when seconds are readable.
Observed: 11:10
